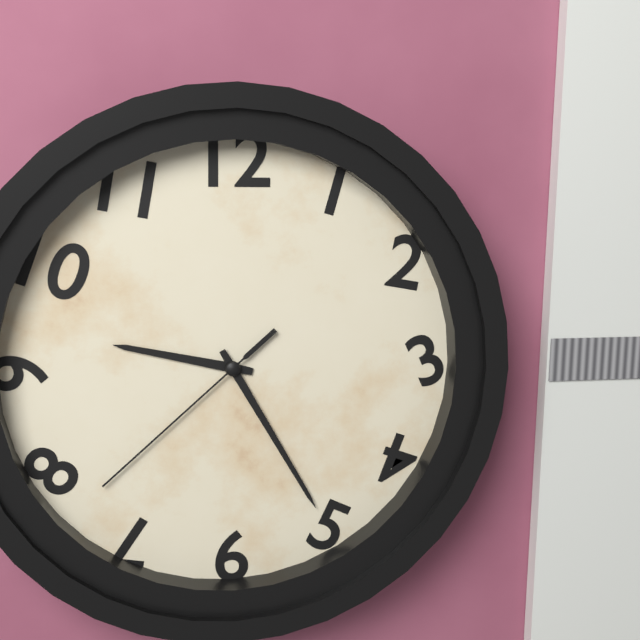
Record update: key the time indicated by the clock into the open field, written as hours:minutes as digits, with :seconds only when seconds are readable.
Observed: 9:25:38
